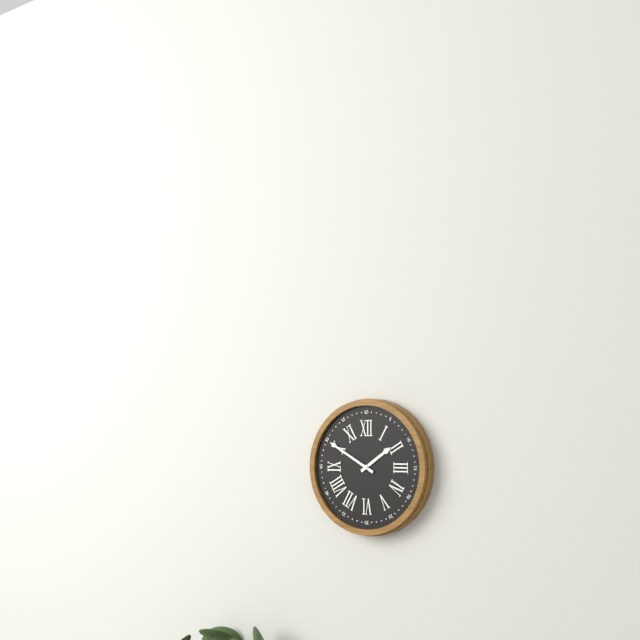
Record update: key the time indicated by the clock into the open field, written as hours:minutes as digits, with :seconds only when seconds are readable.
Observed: 1:50
